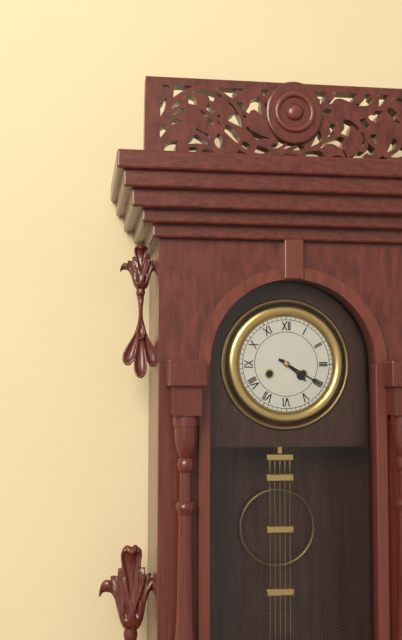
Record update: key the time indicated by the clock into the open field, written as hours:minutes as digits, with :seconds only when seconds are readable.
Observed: 4:20
